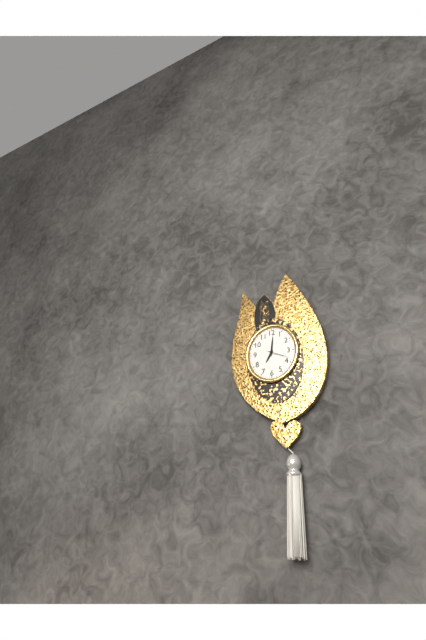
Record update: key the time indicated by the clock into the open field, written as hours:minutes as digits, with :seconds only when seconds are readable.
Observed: 7:01
